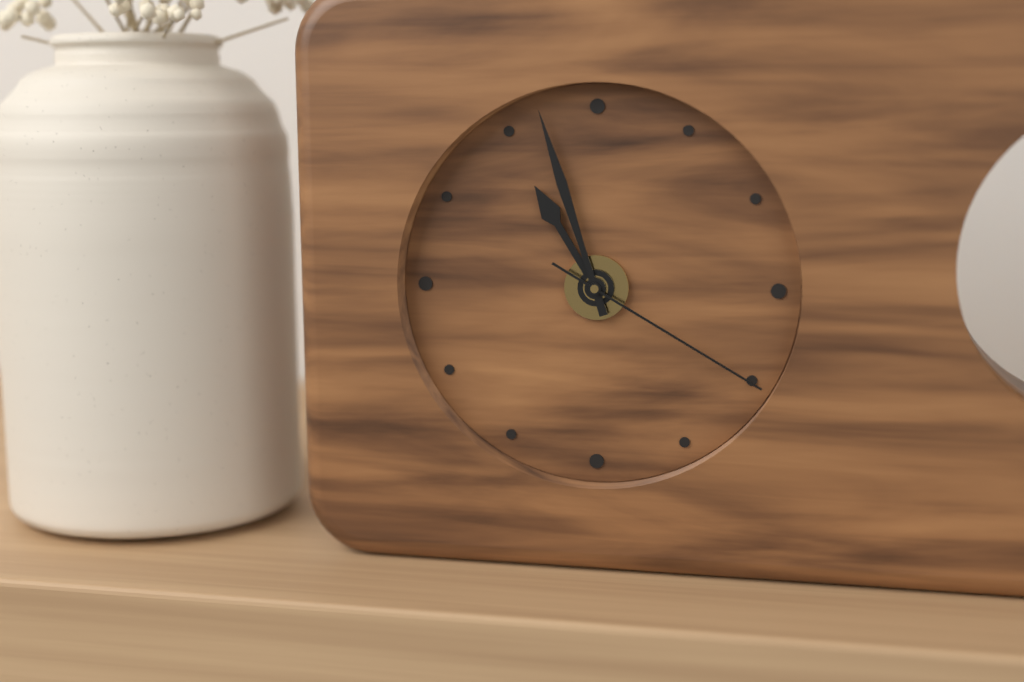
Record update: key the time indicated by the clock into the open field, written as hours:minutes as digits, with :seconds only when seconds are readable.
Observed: 10:57:20
